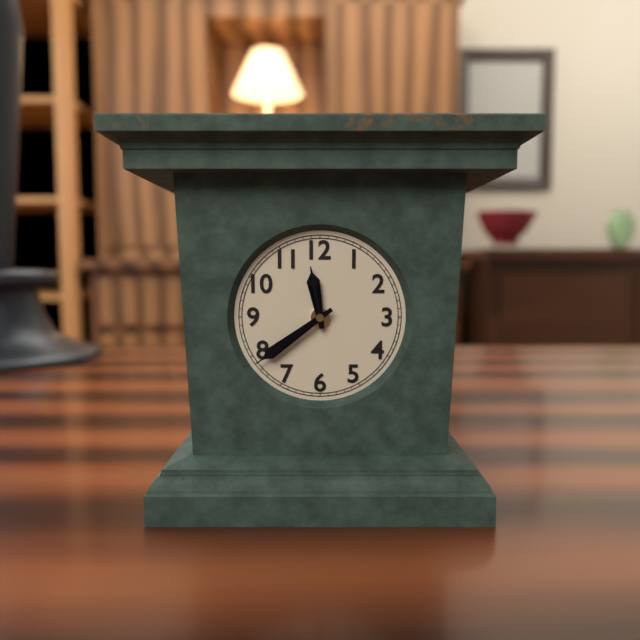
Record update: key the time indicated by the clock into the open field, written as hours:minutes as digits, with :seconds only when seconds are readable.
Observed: 11:39
